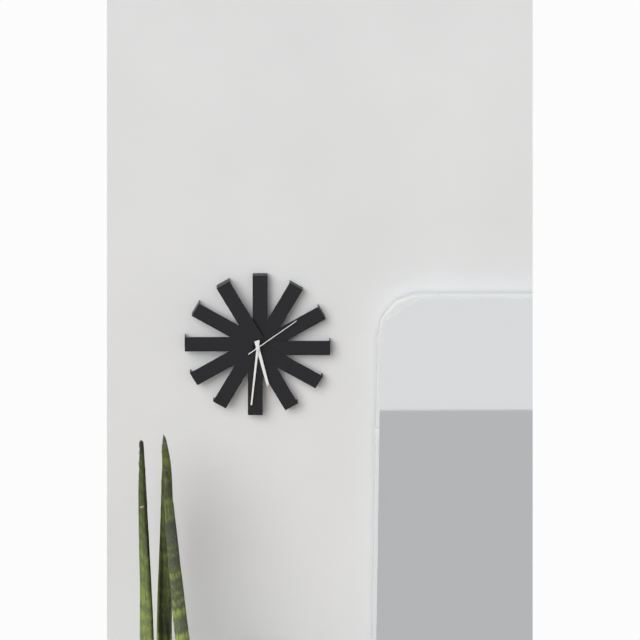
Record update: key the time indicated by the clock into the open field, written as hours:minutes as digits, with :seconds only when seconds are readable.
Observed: 5:31:09
